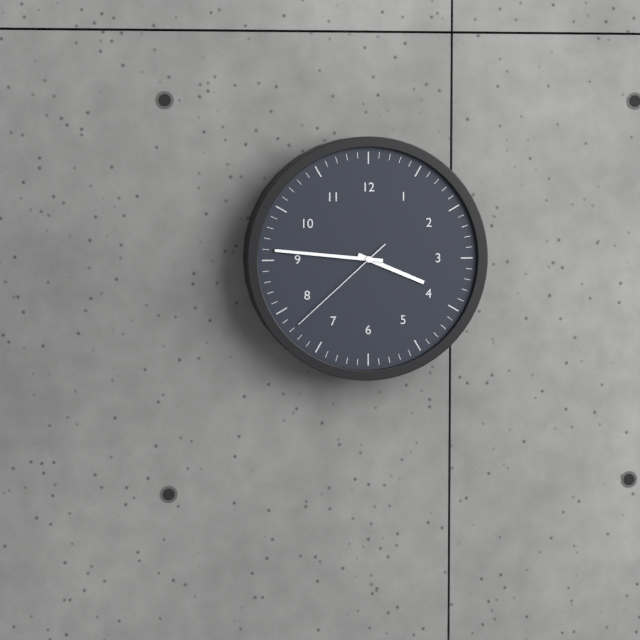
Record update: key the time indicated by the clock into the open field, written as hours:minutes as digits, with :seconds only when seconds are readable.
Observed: 3:46:38
